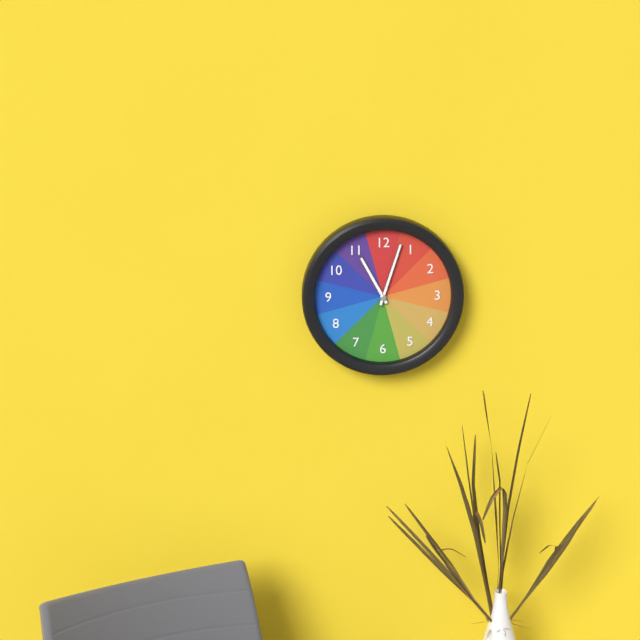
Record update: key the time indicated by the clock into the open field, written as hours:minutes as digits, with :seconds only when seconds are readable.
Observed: 11:03
